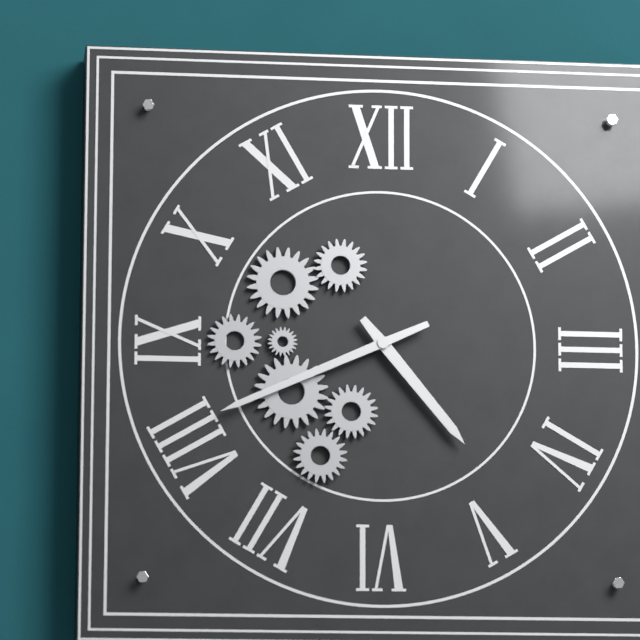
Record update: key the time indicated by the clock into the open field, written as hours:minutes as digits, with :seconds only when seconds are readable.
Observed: 4:41
